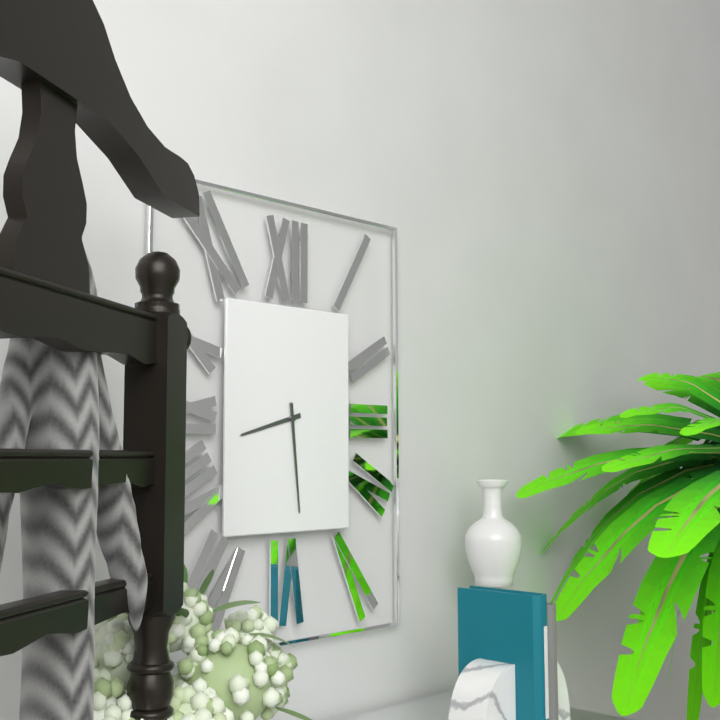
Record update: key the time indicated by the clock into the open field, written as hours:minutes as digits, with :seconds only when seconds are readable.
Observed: 8:29
